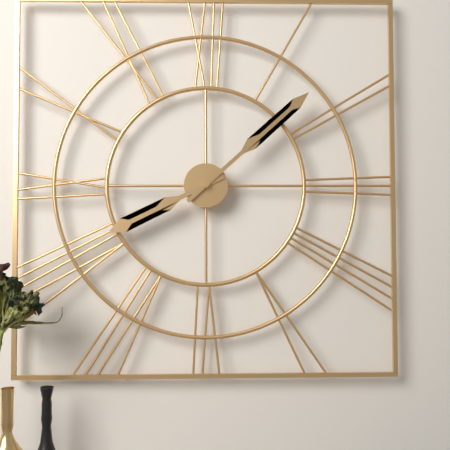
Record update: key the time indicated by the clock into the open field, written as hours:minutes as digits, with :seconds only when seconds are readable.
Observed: 8:08
